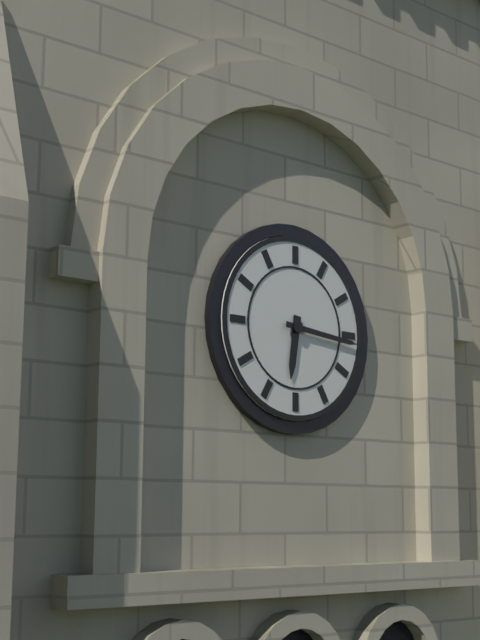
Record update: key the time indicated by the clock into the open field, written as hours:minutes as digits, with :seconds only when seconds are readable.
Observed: 6:16
